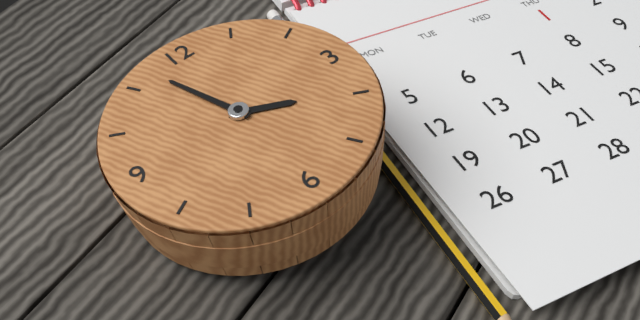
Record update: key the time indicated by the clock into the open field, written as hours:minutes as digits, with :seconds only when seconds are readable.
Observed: 3:57
